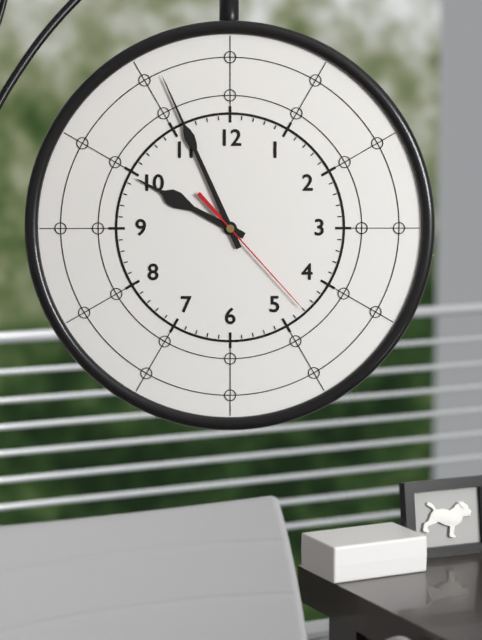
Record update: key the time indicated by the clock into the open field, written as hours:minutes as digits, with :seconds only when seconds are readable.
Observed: 9:56:23
